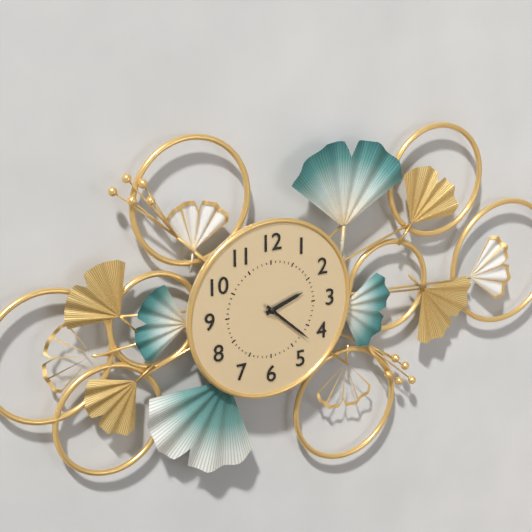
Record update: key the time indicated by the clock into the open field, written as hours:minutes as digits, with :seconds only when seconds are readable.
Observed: 2:22
